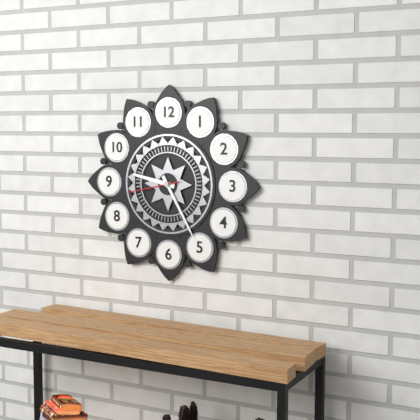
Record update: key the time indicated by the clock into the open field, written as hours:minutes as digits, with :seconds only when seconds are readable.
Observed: 9:25:43
